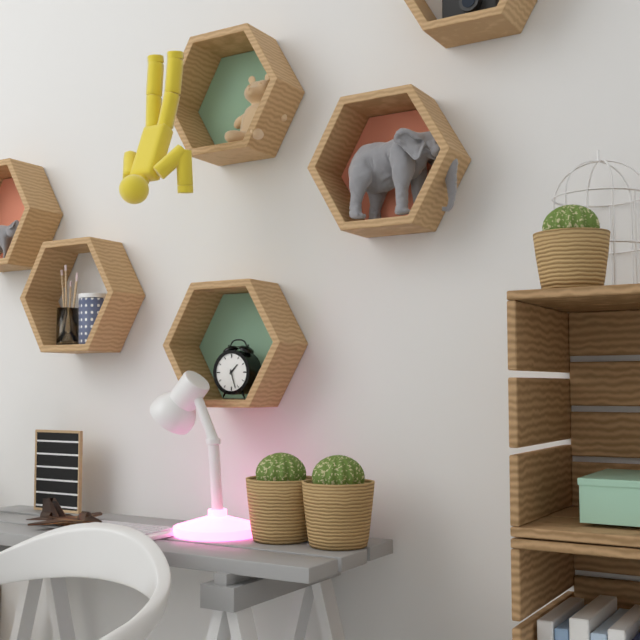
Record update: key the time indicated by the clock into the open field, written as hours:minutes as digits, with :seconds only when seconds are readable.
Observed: 1:27
